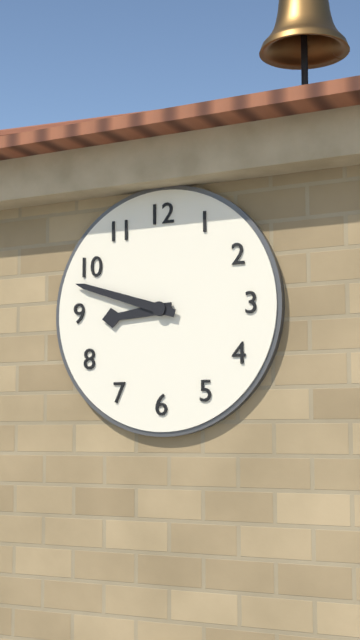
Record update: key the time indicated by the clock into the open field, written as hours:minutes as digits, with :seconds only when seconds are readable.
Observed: 8:48
